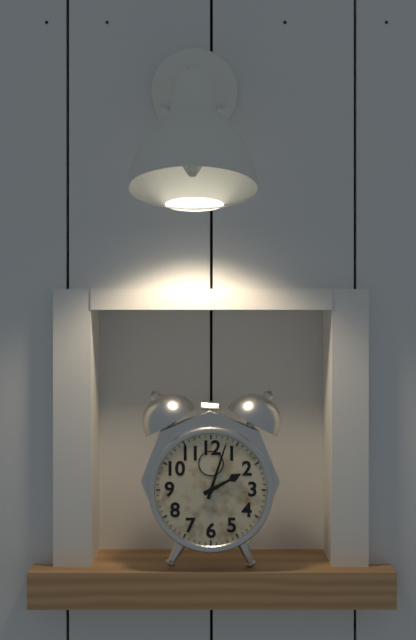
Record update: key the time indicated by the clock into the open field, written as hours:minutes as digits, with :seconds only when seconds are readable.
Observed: 2:03
